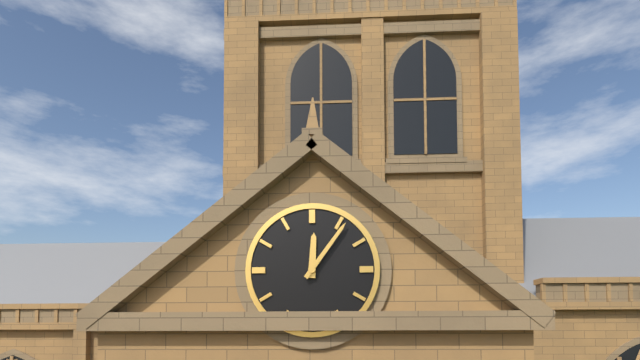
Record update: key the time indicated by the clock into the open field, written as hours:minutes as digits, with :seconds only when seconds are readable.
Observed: 12:06
